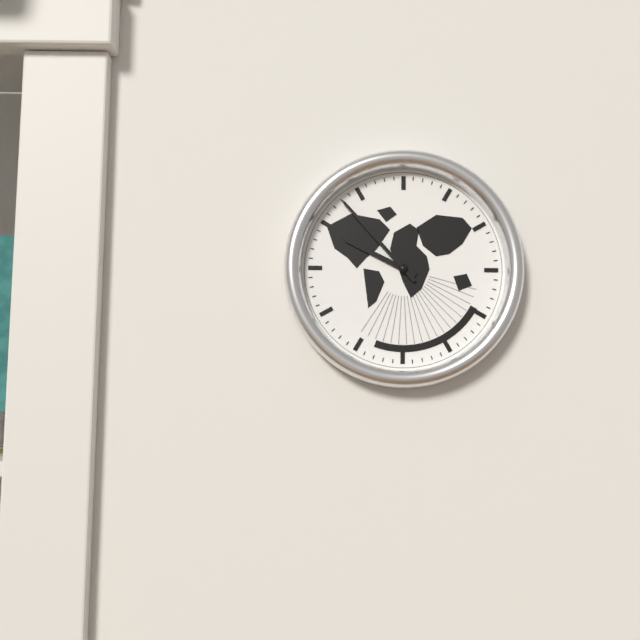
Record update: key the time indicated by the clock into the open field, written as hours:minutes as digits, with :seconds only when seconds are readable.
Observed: 9:53
